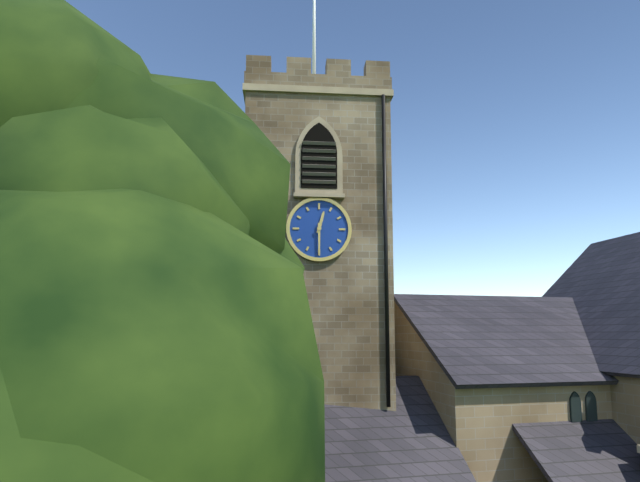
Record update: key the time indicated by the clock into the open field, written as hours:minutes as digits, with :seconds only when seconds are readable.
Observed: 12:30
